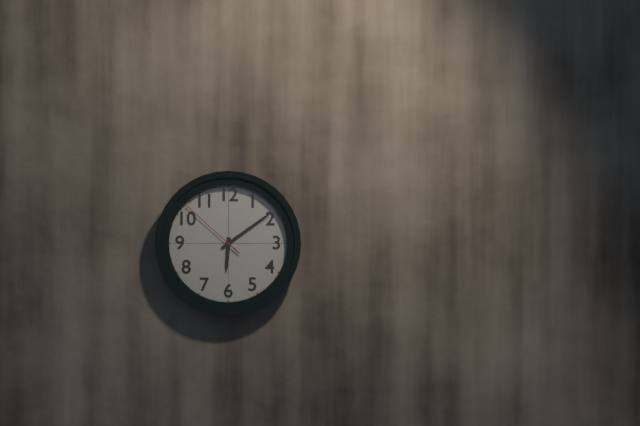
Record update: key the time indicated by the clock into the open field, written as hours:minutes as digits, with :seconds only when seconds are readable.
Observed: 6:09:52
